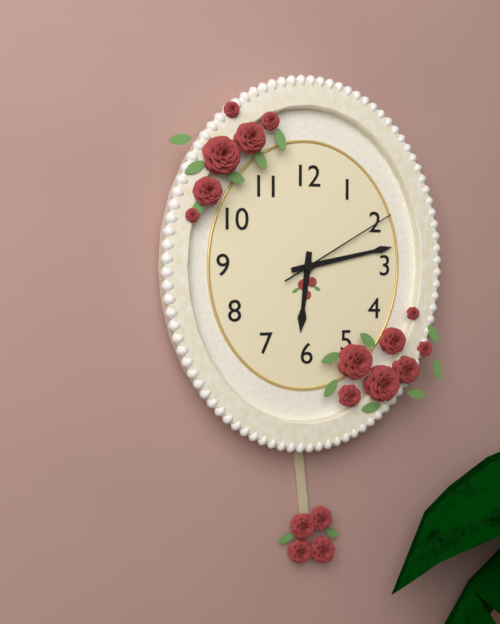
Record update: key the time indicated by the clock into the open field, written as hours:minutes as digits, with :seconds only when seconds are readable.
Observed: 6:13:10
